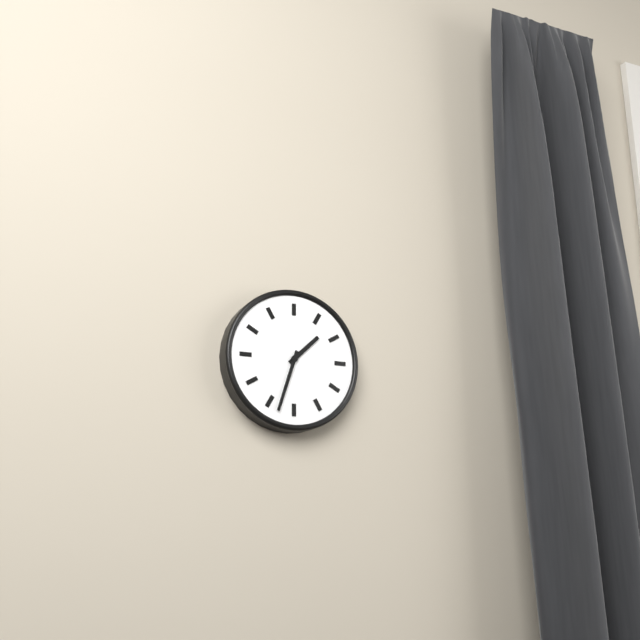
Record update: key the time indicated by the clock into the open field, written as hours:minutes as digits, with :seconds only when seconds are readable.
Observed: 1:33
